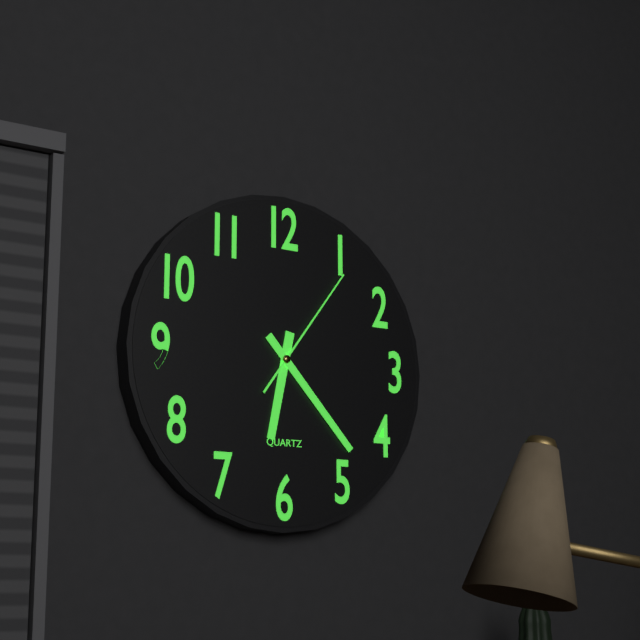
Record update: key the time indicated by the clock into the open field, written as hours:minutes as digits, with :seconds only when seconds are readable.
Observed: 6:23:06
